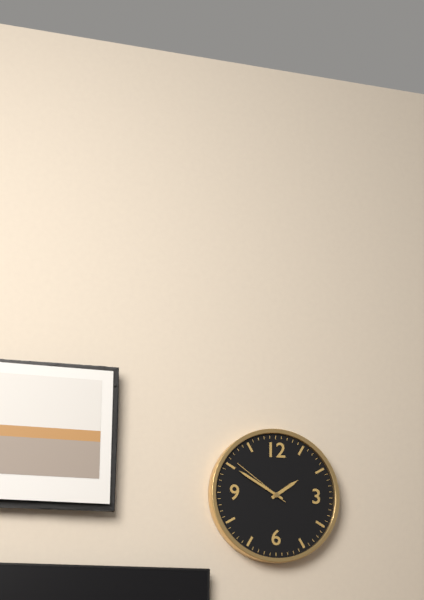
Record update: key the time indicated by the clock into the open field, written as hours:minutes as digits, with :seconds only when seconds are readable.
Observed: 1:50:51
